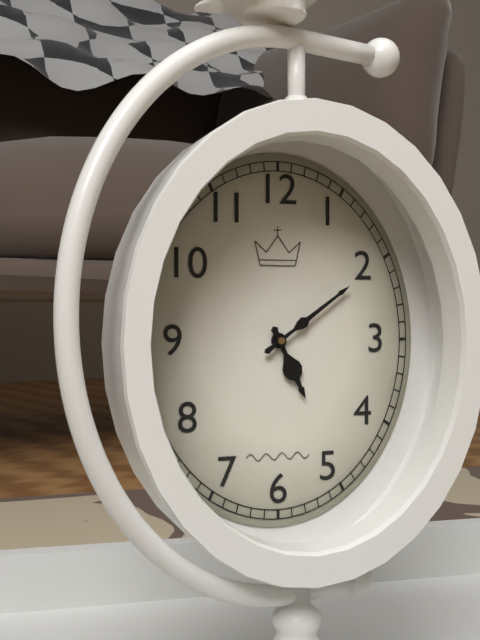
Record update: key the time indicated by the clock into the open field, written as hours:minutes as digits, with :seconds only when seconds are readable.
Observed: 5:09
